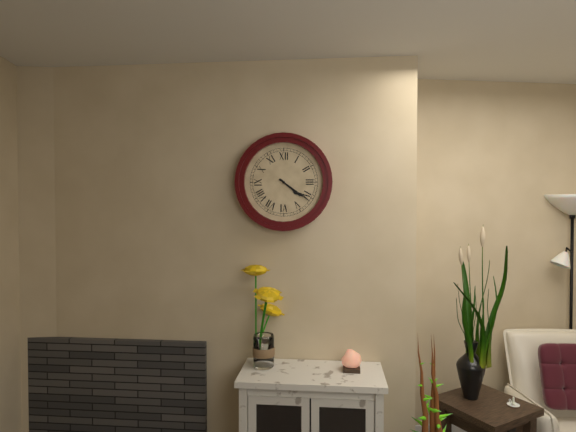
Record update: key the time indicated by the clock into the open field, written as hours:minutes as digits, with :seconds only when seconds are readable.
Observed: 4:21
